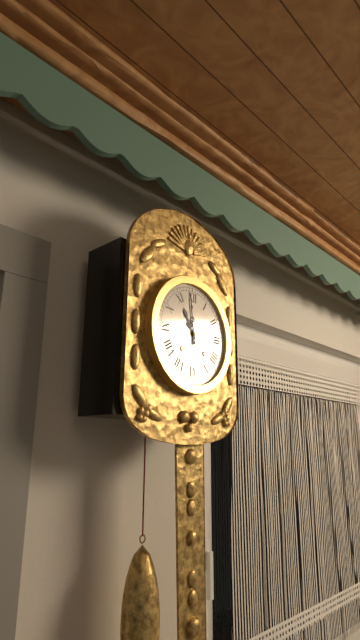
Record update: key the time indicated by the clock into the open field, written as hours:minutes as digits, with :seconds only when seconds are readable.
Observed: 10:59
